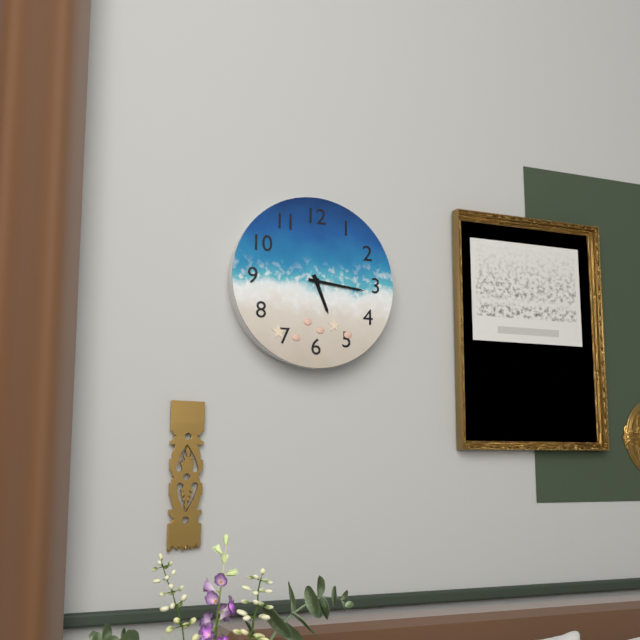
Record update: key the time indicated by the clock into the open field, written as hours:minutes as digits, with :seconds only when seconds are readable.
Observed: 5:16
